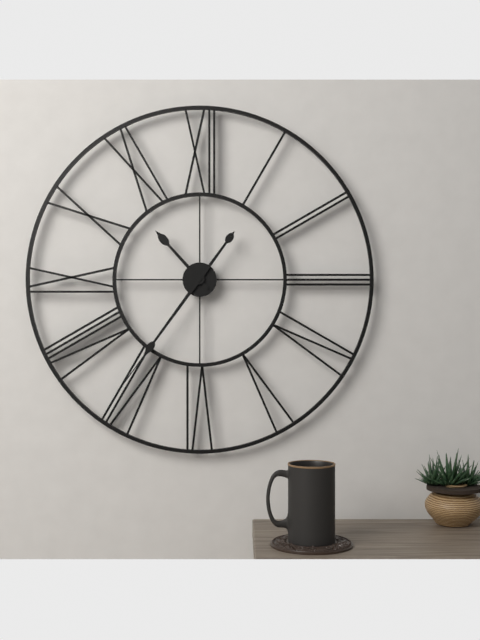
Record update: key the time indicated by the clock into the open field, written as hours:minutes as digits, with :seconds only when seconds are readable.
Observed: 10:36
